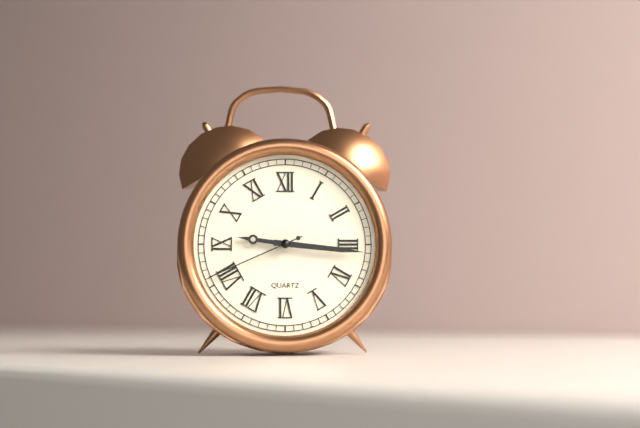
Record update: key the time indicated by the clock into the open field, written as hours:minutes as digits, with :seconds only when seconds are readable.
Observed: 9:16:41
